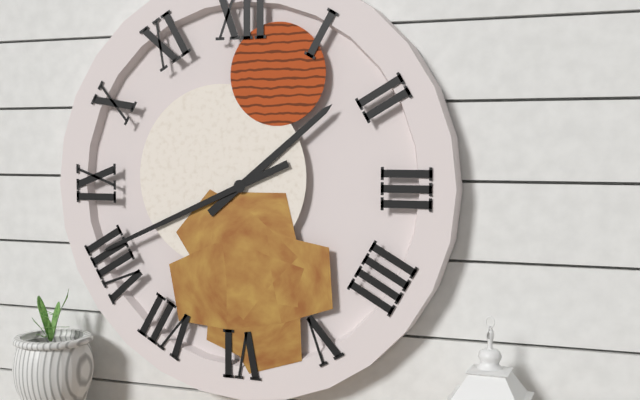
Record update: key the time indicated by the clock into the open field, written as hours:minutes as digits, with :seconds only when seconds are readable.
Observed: 1:41
